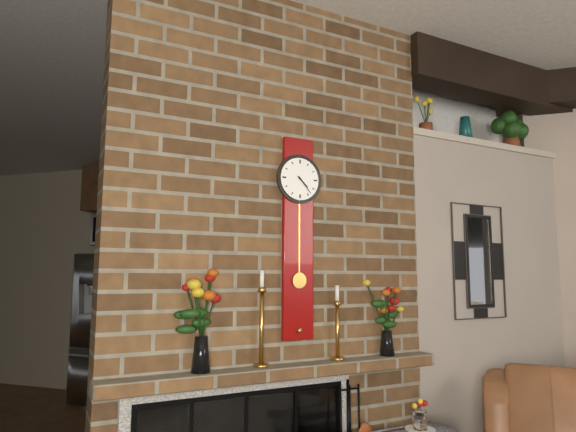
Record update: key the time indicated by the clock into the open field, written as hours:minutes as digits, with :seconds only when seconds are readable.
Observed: 4:23
